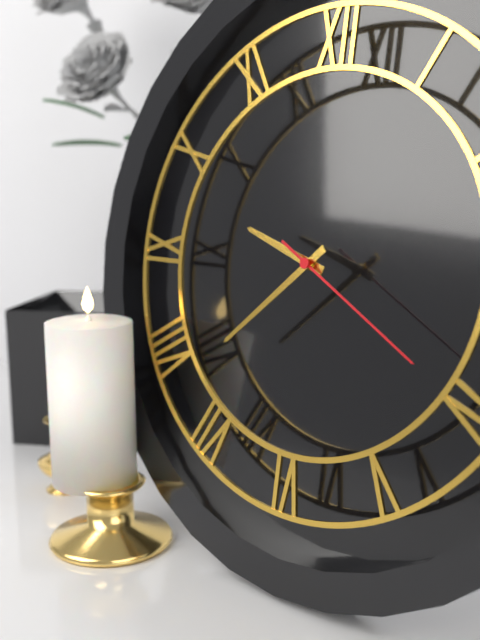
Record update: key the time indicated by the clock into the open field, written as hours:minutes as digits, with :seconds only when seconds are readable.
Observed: 9:38:20
